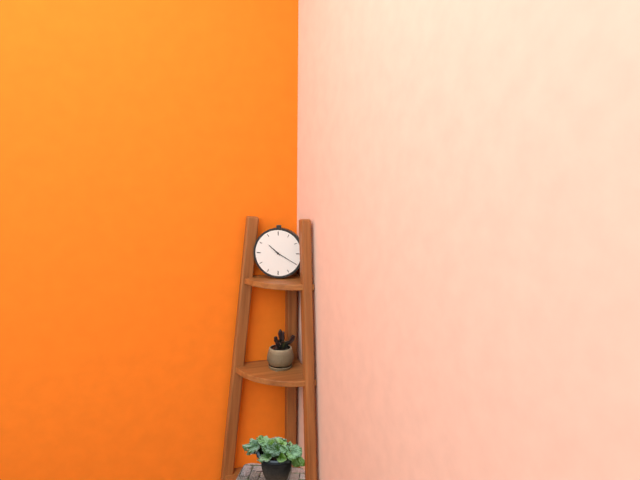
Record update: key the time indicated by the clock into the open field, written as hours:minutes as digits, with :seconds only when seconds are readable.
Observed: 10:20
